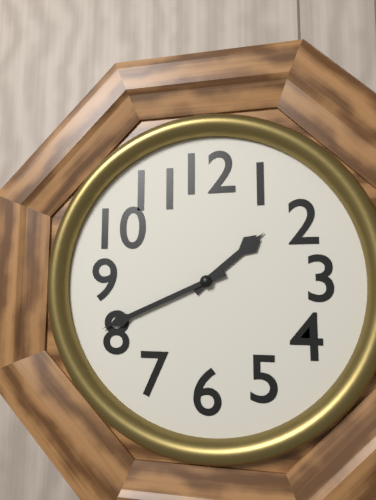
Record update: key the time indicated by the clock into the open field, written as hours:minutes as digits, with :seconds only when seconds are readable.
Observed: 1:41
